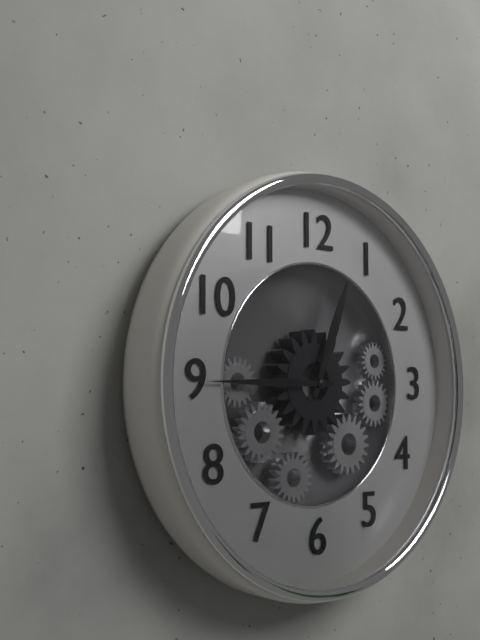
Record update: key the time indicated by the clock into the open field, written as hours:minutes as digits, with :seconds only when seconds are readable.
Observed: 12:45
